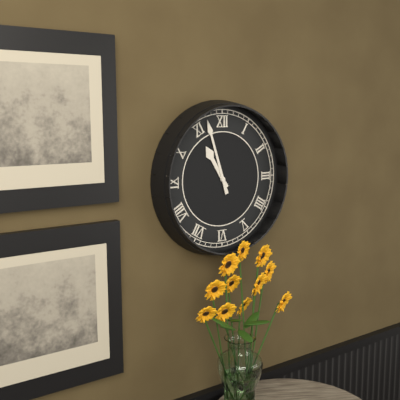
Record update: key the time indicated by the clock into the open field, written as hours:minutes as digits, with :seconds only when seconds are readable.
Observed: 10:57
